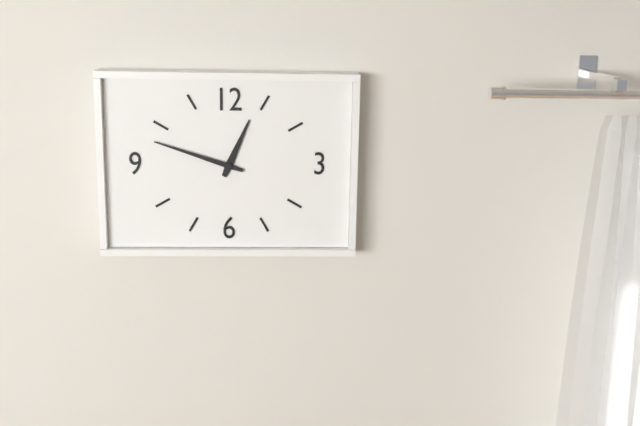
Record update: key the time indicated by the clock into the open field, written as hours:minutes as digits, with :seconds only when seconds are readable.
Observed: 12:48
